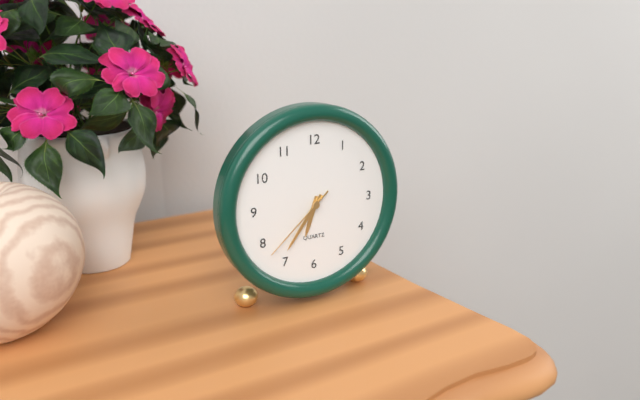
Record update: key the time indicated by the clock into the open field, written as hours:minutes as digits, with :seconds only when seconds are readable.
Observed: 6:36:38
